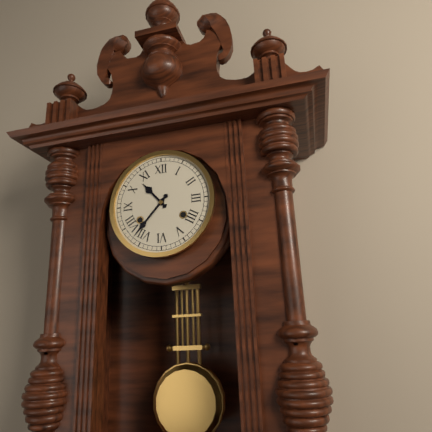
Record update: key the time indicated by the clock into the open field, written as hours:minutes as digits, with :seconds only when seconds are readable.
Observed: 10:37
